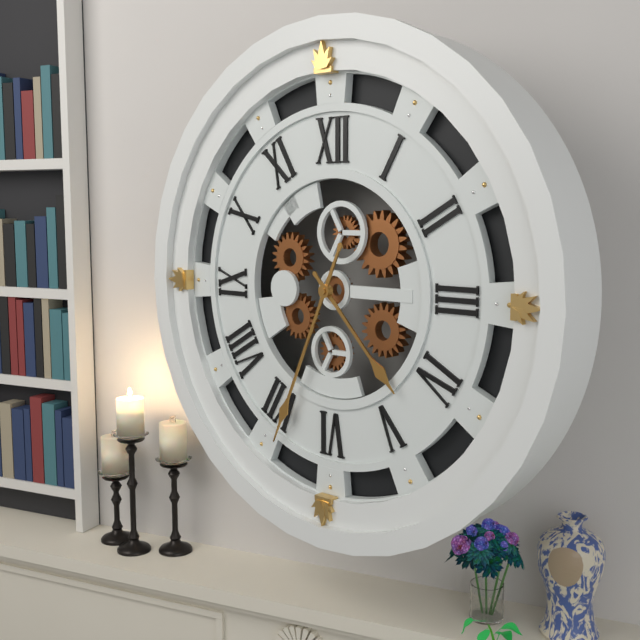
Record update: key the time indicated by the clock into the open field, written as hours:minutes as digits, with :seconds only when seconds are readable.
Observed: 4:34
